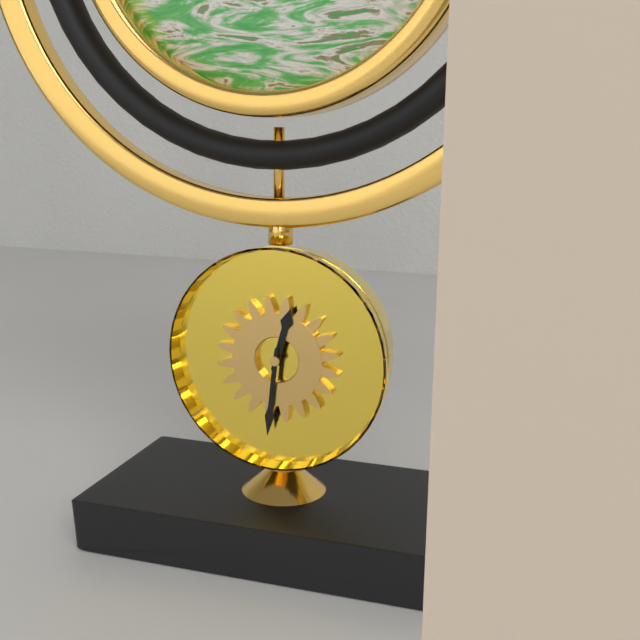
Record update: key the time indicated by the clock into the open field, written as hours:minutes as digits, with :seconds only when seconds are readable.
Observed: 12:31
